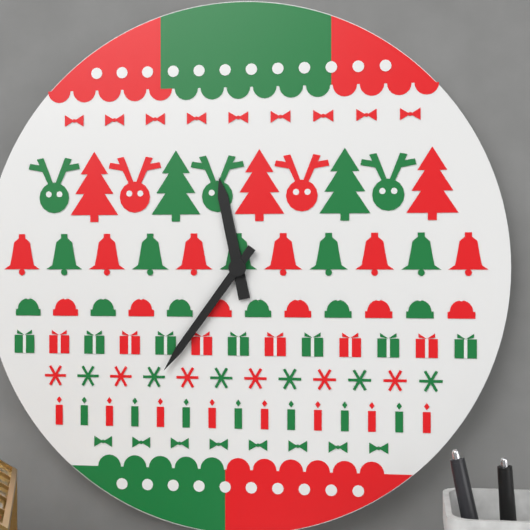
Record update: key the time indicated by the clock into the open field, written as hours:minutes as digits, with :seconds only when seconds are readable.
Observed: 11:36
